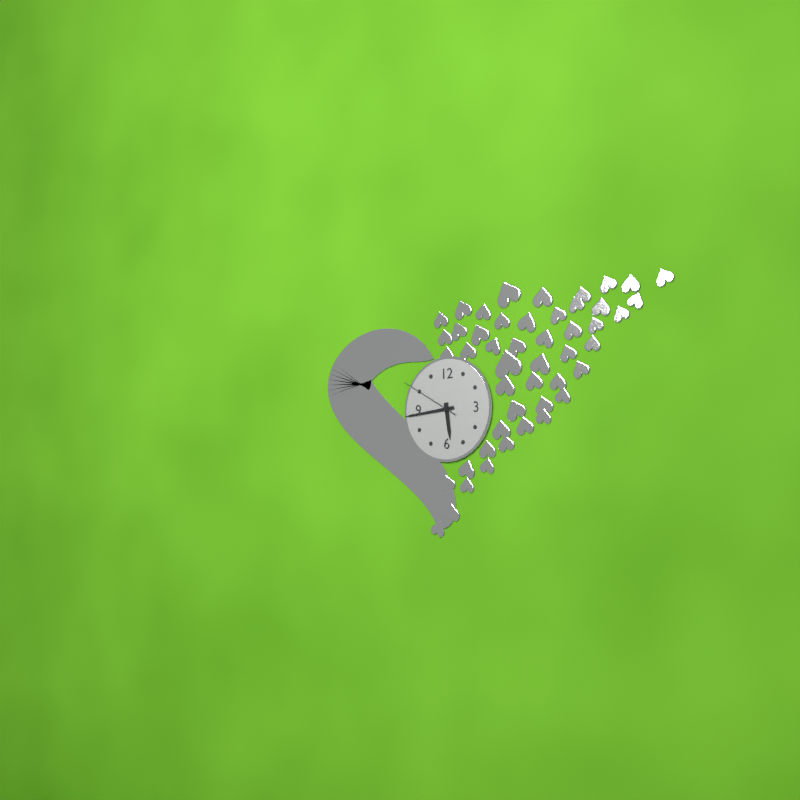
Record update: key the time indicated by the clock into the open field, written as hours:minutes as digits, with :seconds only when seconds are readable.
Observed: 5:44:50
